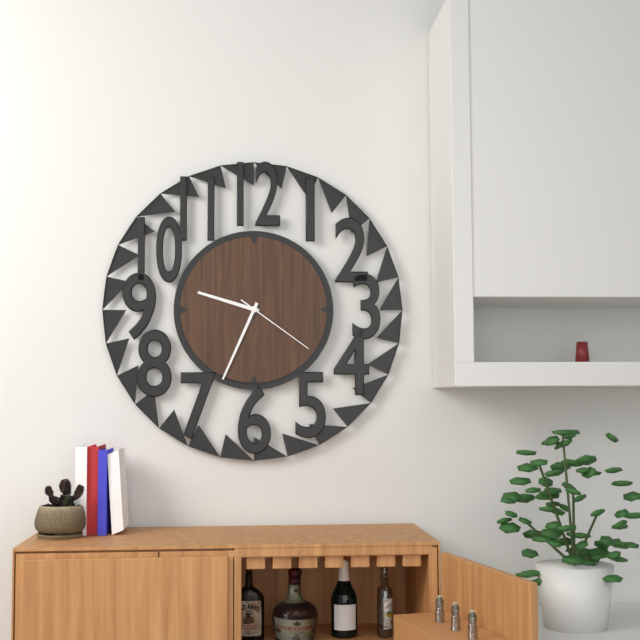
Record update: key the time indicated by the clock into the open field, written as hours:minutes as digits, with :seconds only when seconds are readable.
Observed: 9:34:21
